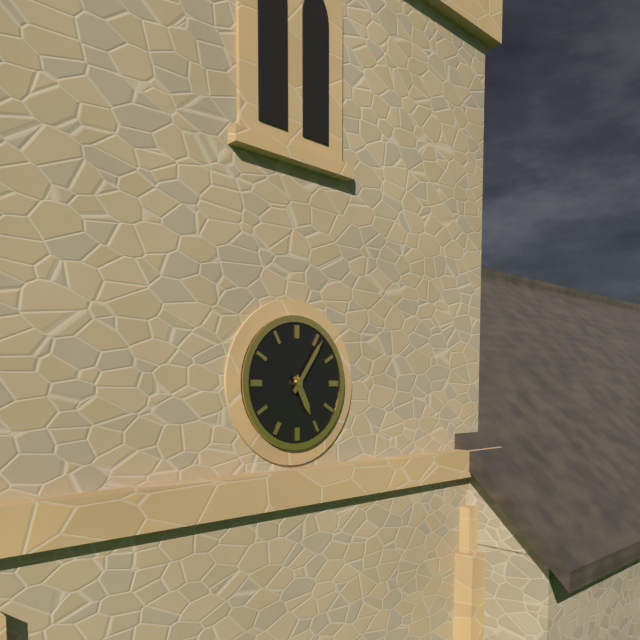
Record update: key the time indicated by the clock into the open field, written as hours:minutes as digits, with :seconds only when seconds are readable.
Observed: 5:06
